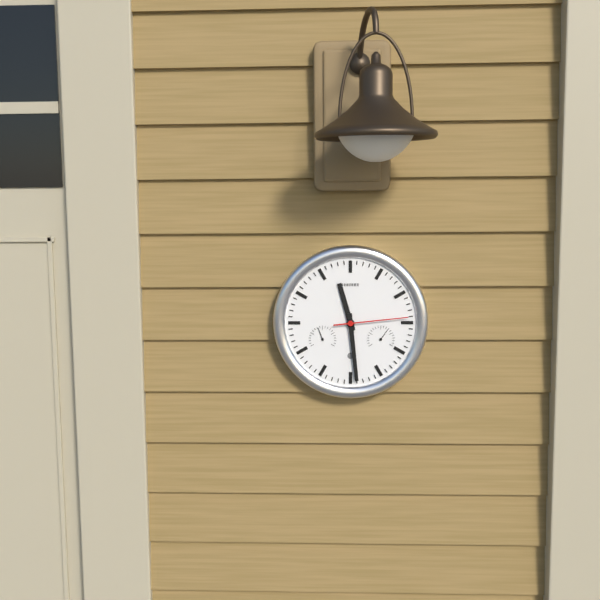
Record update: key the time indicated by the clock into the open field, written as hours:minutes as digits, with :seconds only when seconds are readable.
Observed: 11:29:14
